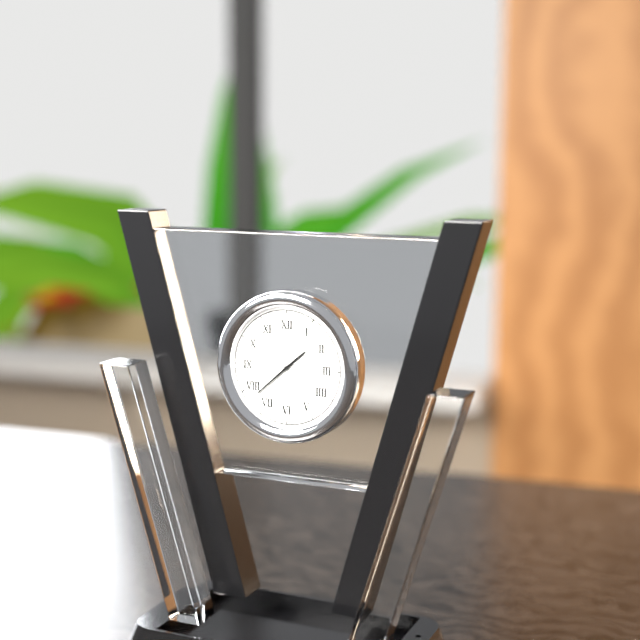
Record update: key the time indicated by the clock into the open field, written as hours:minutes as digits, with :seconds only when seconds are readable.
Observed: 1:38:41
